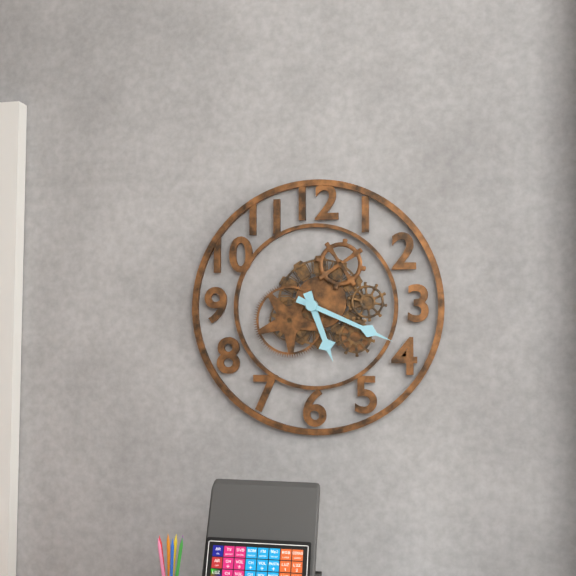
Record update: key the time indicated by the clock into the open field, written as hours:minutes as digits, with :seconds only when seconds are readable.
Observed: 5:19
